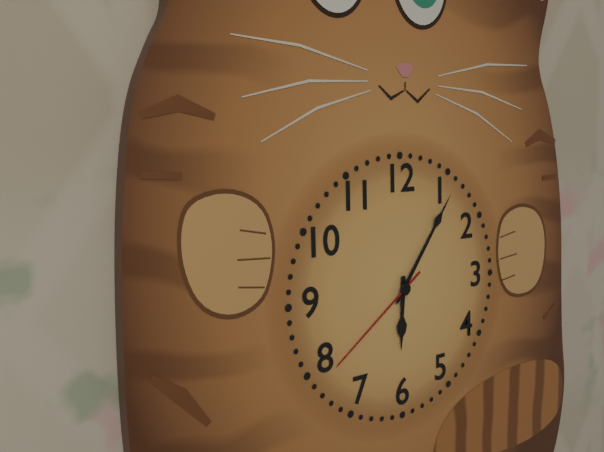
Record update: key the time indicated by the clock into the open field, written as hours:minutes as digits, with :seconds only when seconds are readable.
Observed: 6:06:39
